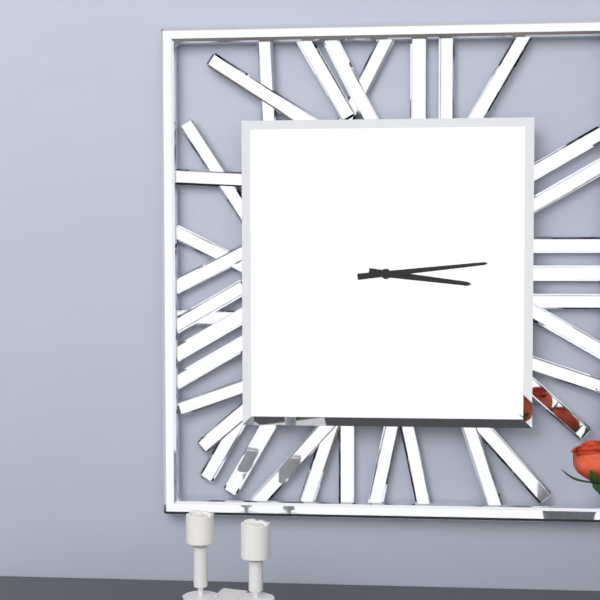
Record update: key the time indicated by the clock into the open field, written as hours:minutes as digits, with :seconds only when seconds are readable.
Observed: 3:14
